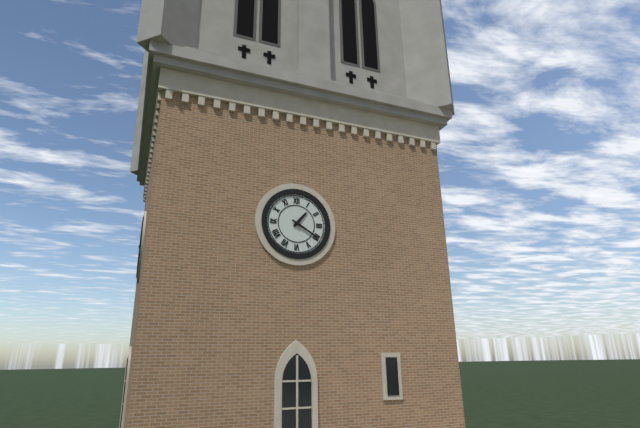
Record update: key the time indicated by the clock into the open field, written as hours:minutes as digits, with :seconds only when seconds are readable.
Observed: 1:20
